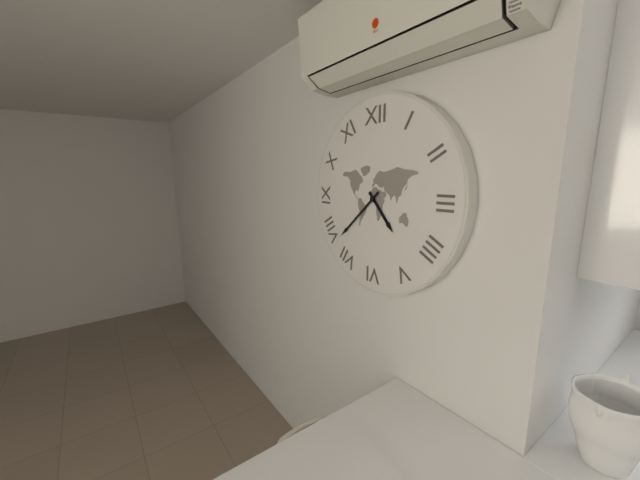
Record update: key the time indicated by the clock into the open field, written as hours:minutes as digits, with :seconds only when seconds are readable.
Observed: 4:38
